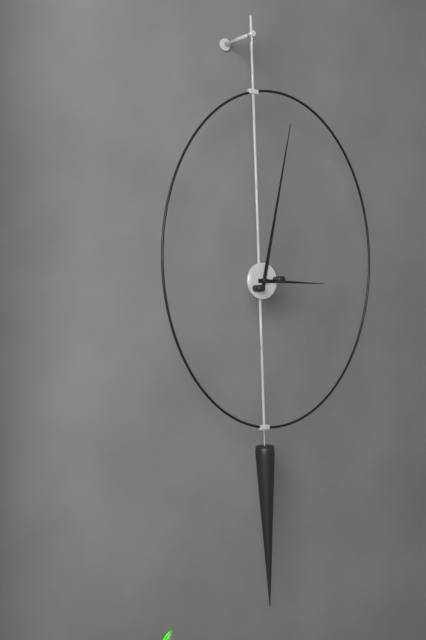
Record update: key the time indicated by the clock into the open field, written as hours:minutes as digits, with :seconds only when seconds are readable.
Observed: 3:02
